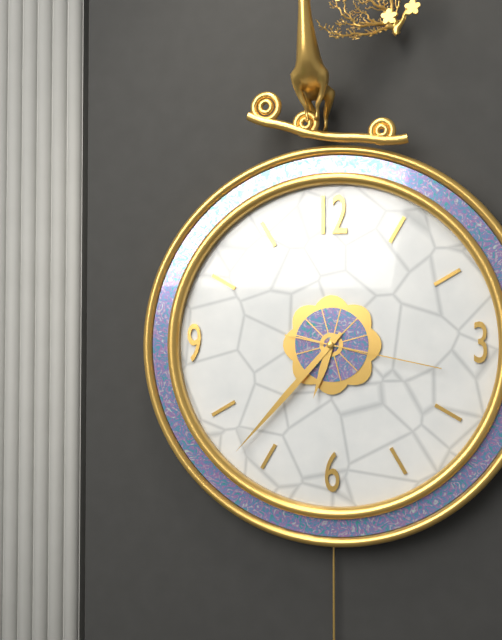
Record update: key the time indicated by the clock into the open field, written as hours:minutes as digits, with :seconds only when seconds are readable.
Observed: 6:37:17
